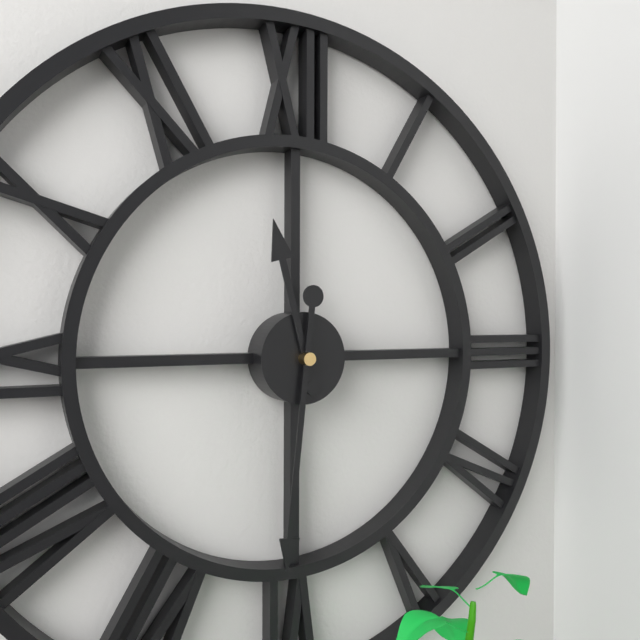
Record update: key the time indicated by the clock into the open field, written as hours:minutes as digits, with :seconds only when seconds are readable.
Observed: 11:31
